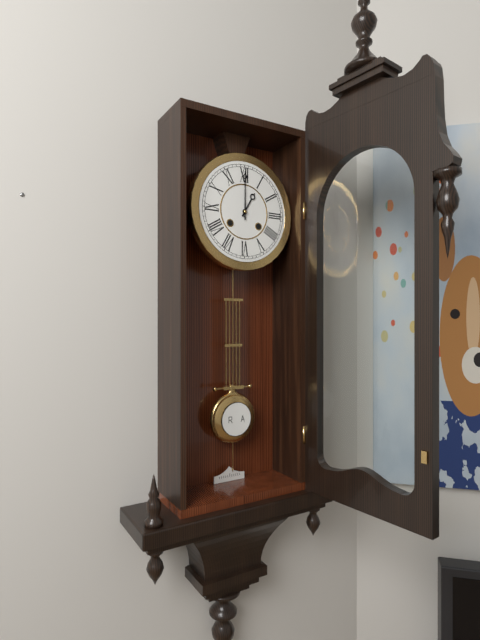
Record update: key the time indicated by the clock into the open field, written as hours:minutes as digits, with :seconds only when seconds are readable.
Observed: 1:00
